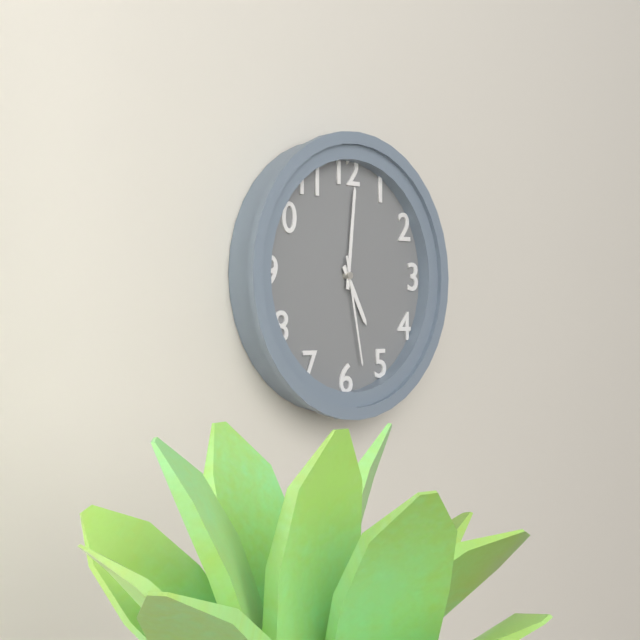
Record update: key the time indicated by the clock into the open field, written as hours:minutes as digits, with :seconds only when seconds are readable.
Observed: 5:01:28
